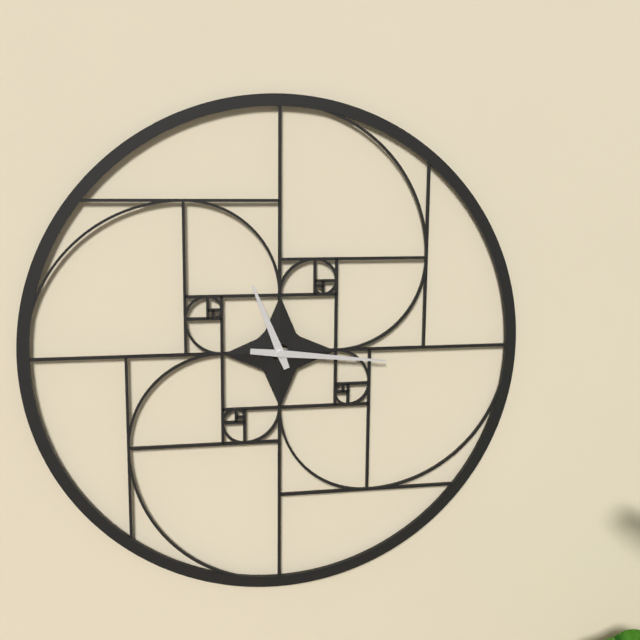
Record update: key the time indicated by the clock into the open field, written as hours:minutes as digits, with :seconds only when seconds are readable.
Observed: 11:16
